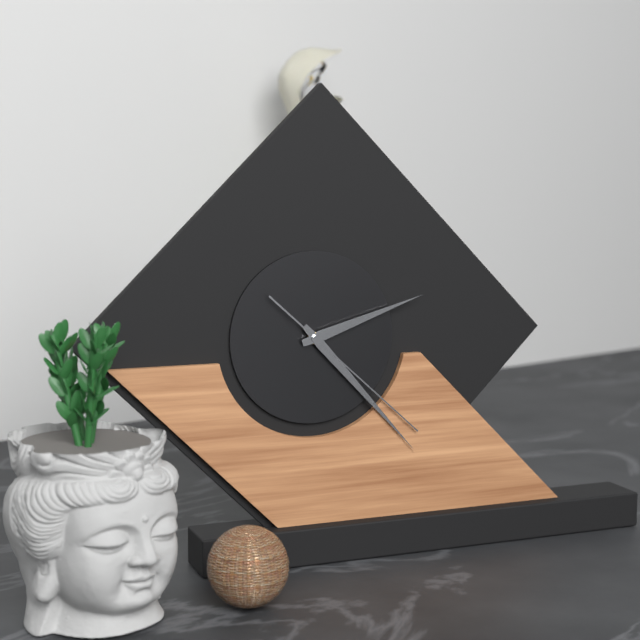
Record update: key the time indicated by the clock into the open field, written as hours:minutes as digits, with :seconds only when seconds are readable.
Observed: 2:23:22
